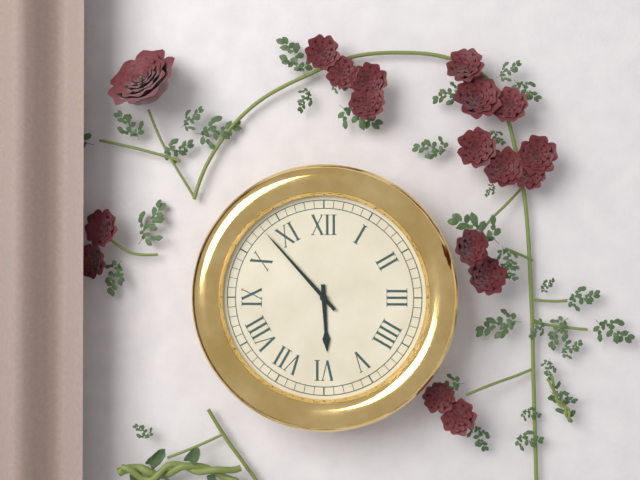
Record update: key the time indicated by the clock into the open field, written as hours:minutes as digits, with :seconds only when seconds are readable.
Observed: 5:53
